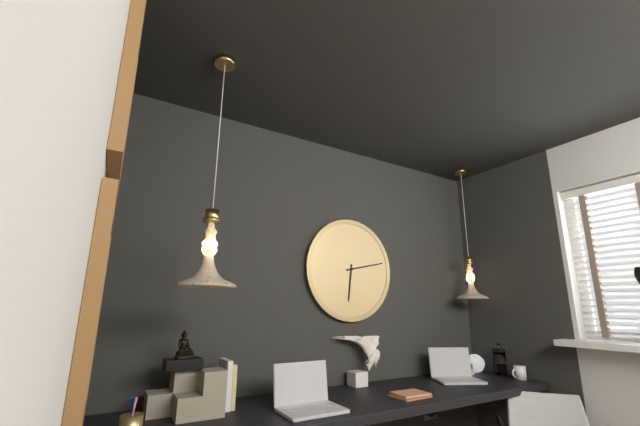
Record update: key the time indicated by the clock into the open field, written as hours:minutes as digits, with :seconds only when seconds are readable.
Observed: 6:13
